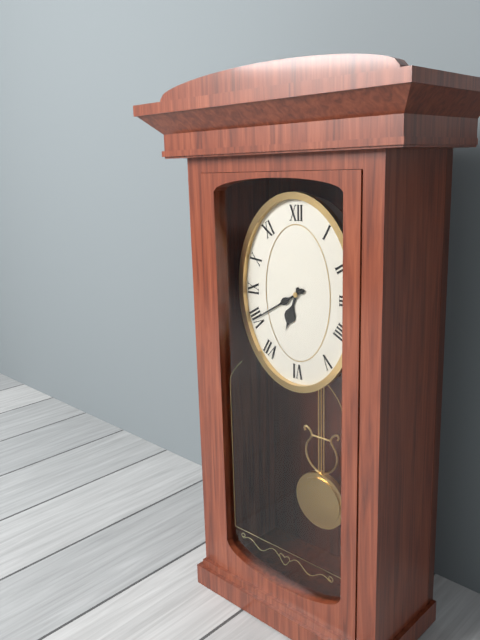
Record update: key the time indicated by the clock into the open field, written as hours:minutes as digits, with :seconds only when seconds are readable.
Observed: 6:40
